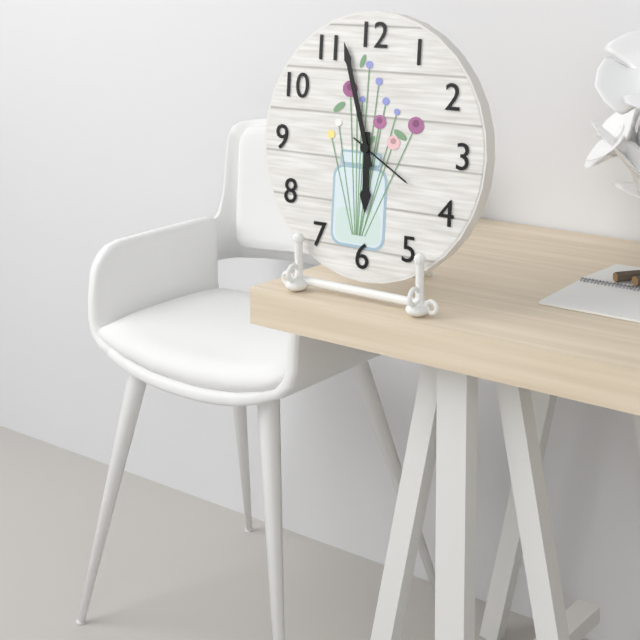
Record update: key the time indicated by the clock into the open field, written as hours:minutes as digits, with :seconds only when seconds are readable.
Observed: 5:57:20
